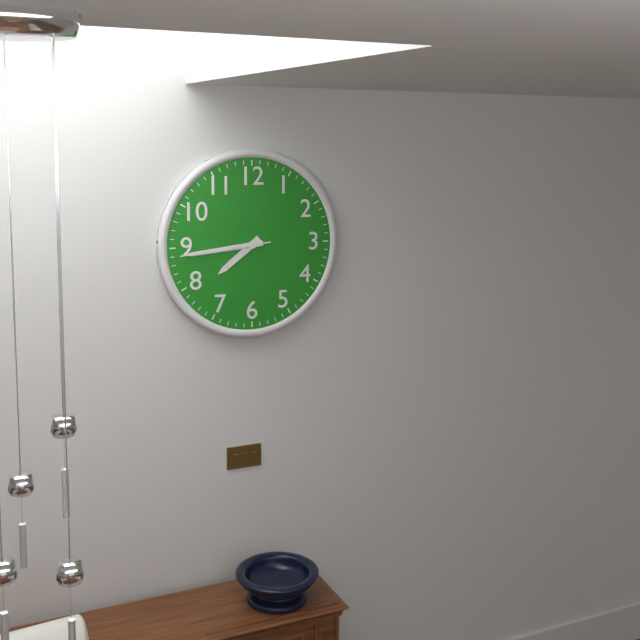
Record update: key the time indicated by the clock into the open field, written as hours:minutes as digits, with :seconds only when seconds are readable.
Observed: 7:44:44
